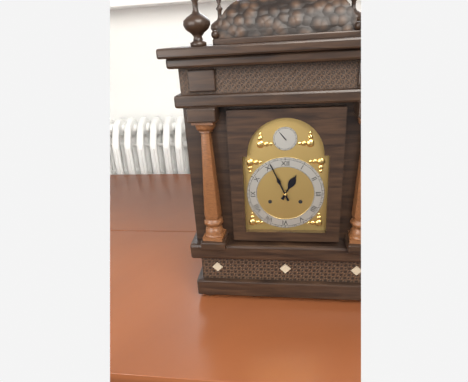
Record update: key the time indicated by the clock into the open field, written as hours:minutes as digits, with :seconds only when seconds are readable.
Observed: 12:56
